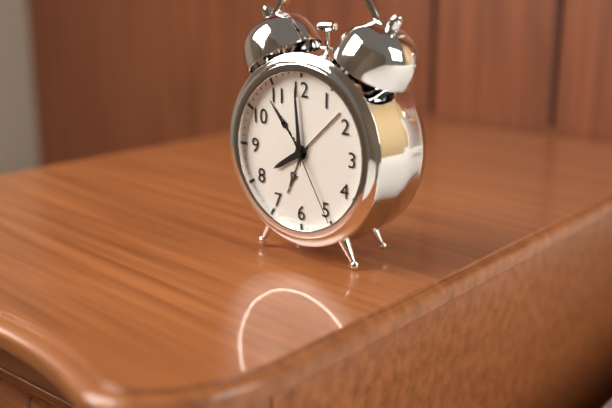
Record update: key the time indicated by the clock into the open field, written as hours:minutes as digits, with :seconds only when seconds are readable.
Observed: 7:59:25
